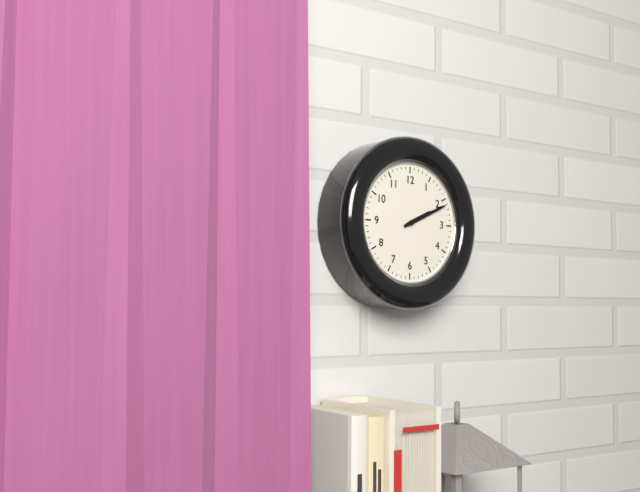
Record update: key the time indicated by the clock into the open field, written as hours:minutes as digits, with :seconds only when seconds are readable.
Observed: 2:11
